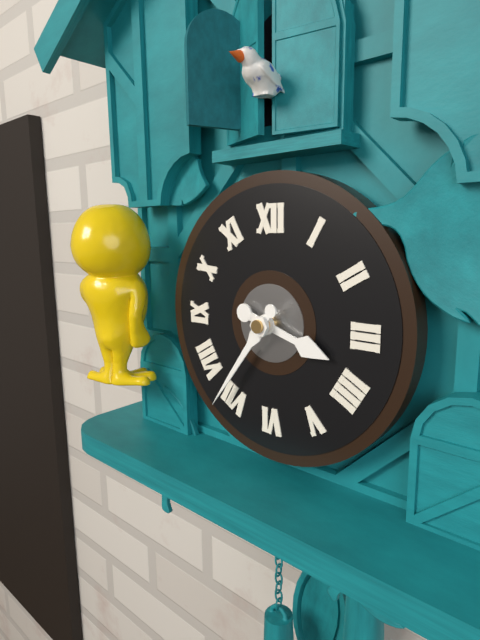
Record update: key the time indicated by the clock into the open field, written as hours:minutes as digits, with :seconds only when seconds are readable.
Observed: 3:36
